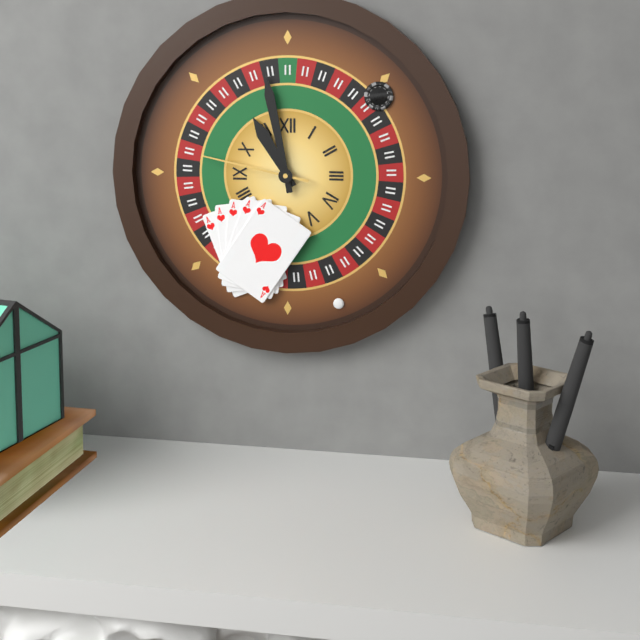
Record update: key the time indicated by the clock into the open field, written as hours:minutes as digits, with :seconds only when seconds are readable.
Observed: 10:58:47
